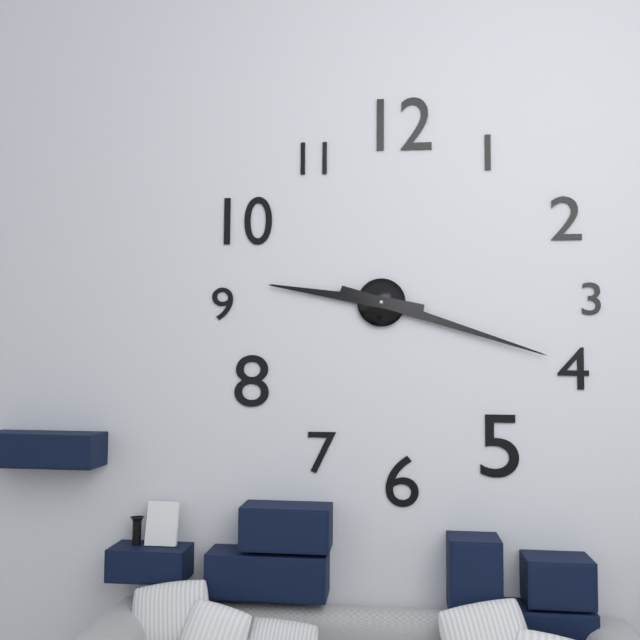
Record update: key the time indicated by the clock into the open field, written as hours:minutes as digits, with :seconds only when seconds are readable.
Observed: 9:18
